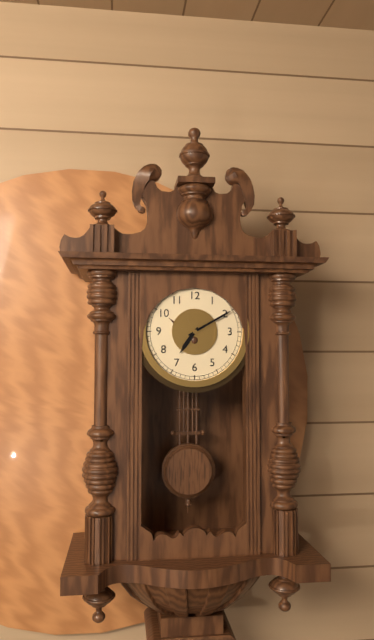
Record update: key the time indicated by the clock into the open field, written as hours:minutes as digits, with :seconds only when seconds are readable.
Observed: 7:10
